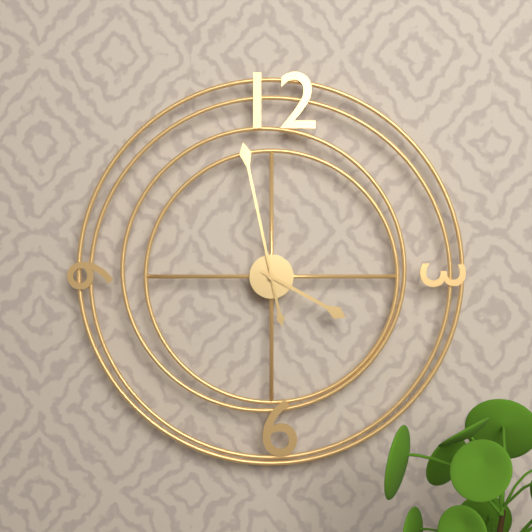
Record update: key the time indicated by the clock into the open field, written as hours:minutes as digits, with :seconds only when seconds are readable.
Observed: 3:58
